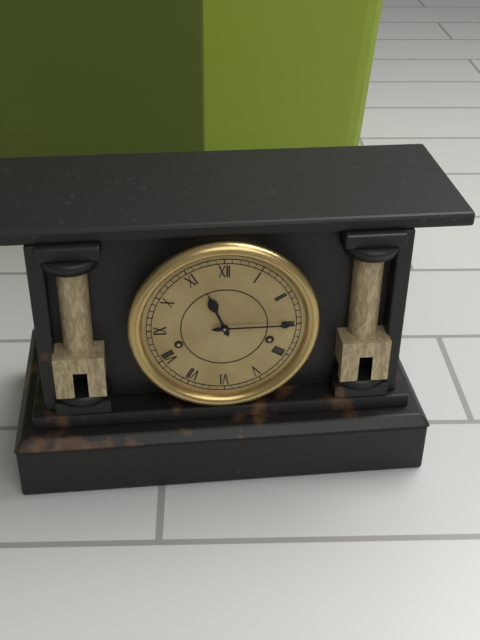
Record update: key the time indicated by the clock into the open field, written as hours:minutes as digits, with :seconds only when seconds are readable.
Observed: 11:15
